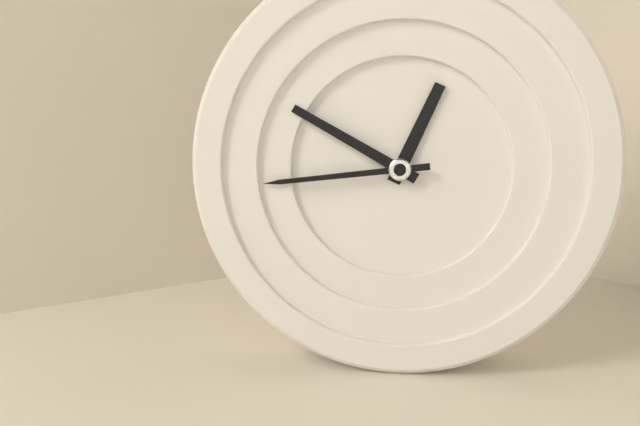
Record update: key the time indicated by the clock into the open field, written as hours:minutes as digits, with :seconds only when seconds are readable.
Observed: 12:50:44
